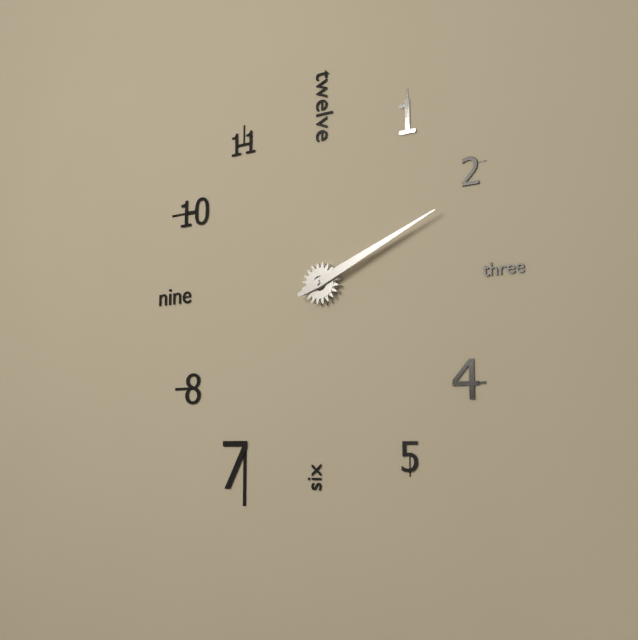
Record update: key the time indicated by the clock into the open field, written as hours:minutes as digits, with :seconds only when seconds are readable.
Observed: 2:11
